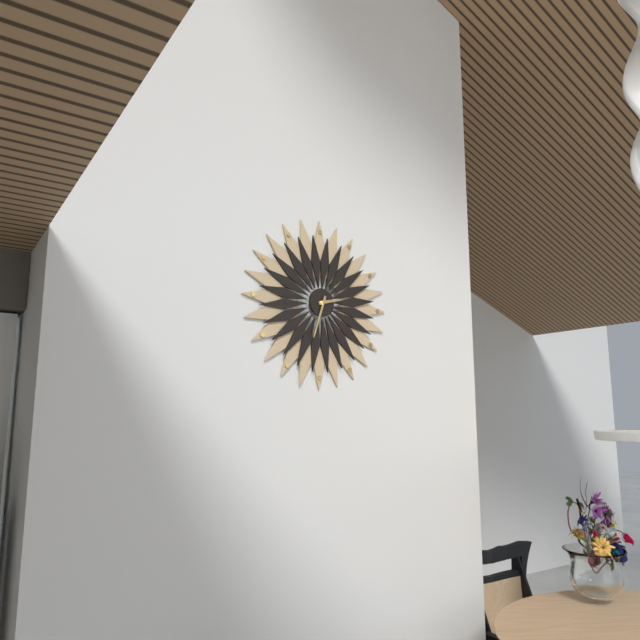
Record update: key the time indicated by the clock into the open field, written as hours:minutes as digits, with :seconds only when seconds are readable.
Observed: 2:33
